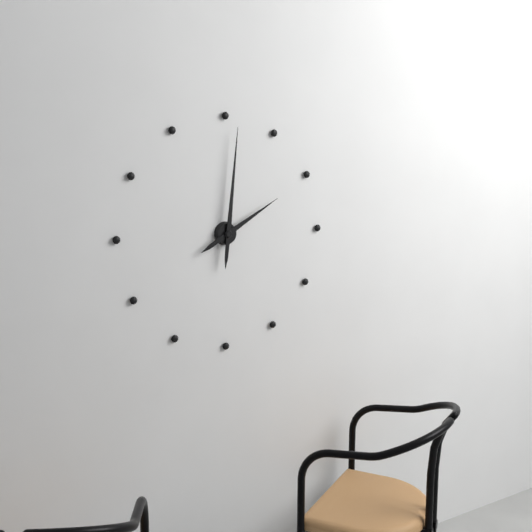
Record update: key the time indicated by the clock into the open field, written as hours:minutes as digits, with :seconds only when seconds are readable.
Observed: 2:01
